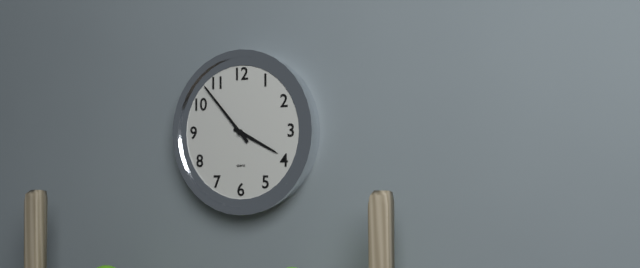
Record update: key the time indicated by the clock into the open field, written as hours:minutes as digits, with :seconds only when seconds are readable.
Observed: 3:53
